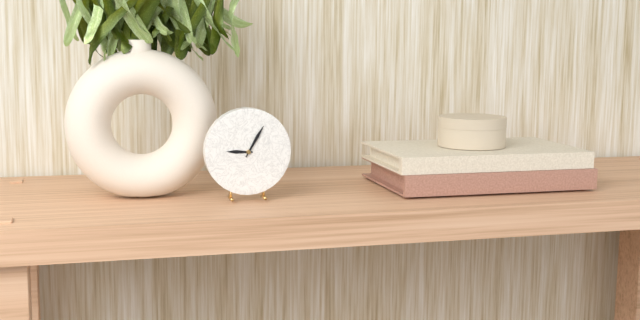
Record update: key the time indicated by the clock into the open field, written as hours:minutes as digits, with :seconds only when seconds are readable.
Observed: 9:05
